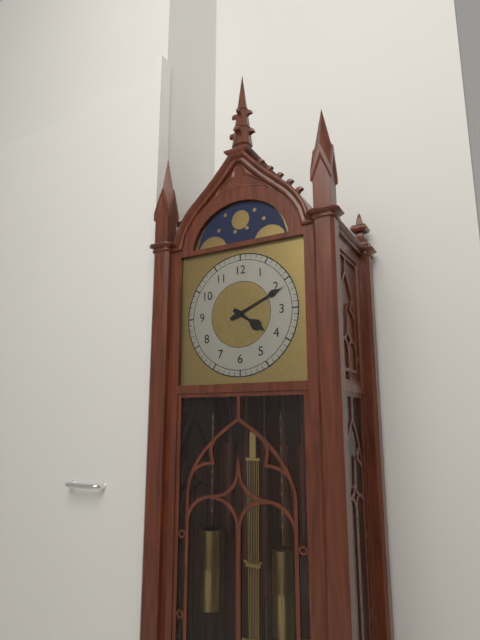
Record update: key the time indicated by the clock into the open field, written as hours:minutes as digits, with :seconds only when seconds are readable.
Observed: 4:11
